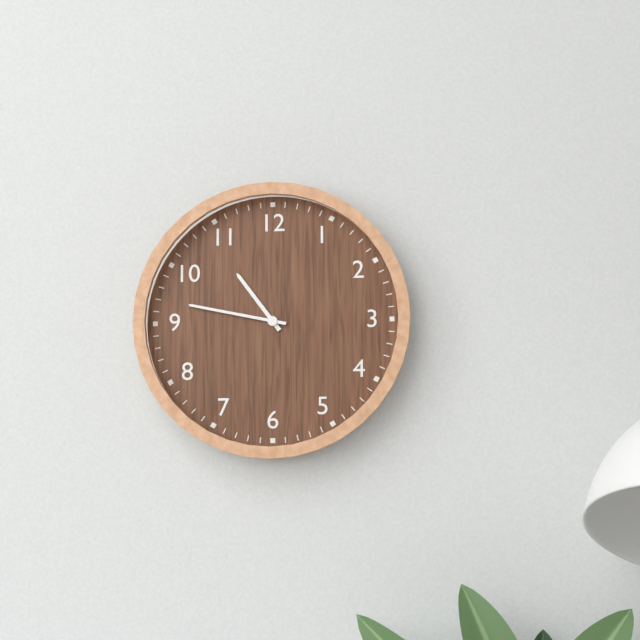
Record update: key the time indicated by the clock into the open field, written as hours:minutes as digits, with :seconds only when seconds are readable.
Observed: 10:47
